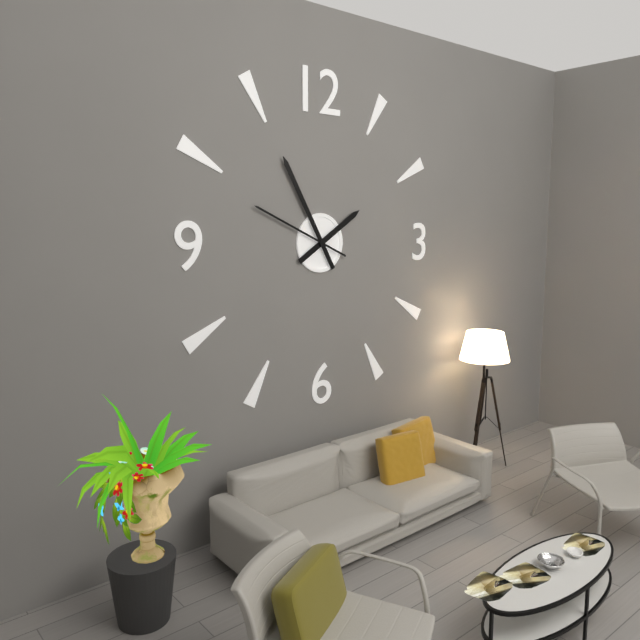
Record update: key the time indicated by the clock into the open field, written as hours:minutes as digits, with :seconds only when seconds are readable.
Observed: 1:55:49
